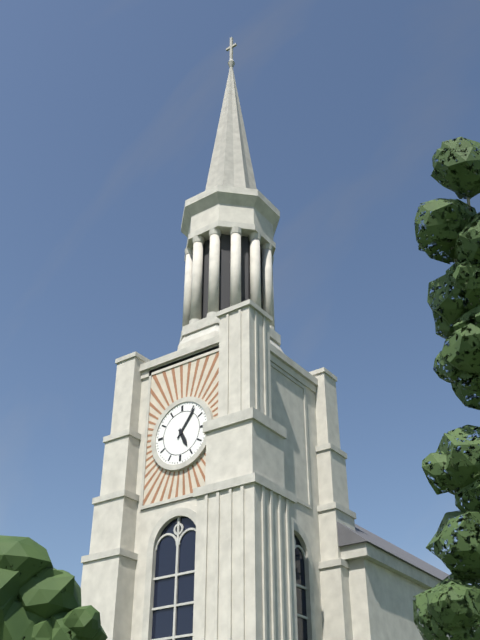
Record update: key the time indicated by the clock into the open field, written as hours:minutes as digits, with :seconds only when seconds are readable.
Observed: 5:06
